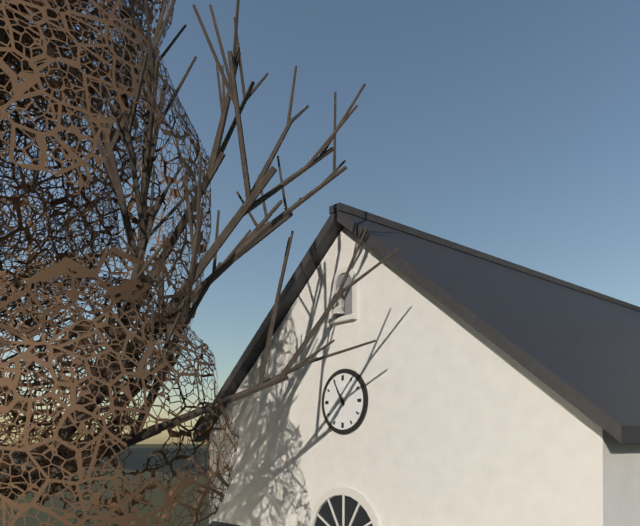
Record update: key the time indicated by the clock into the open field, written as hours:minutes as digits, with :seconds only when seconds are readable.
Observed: 10:55
